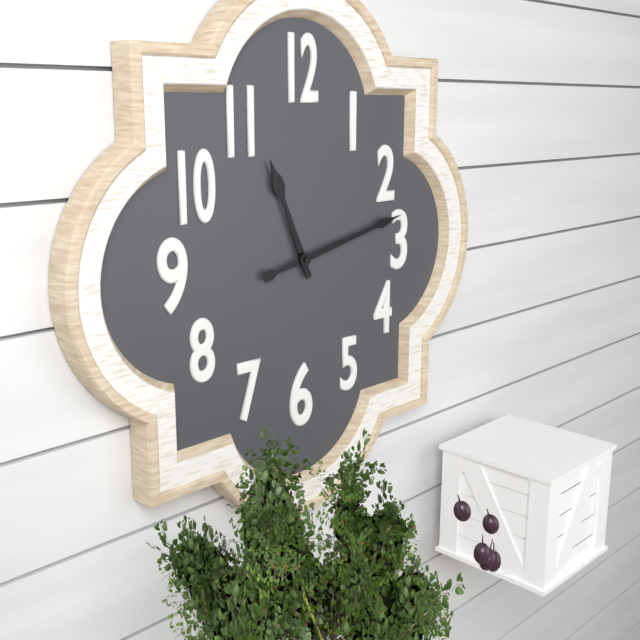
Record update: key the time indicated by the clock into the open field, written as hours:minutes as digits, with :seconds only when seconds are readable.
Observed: 11:13
